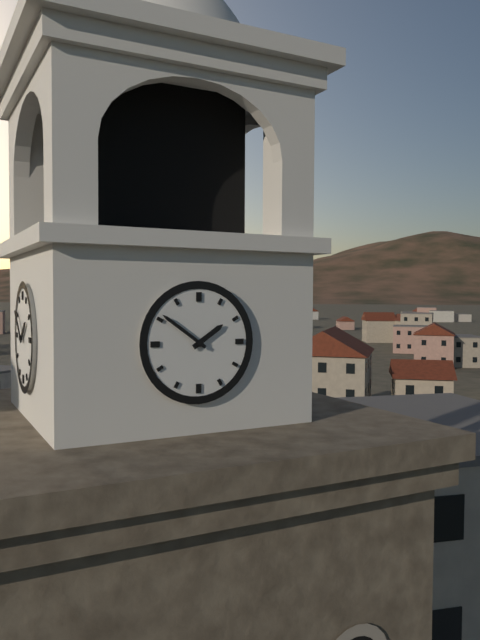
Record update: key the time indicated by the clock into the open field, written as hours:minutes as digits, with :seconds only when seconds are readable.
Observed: 1:51
